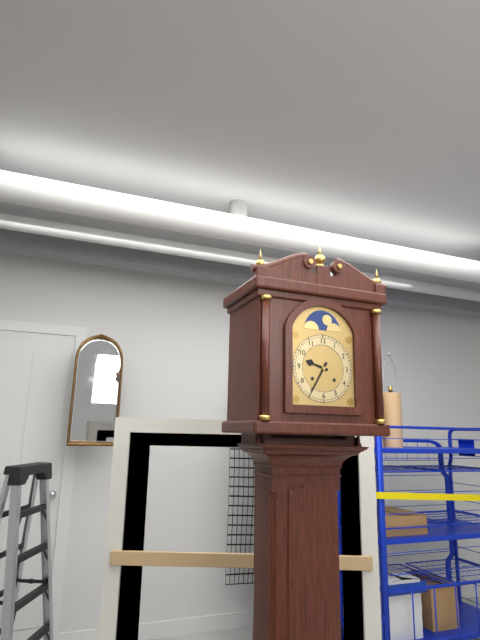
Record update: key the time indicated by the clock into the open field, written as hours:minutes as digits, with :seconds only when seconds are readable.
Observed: 9:35
